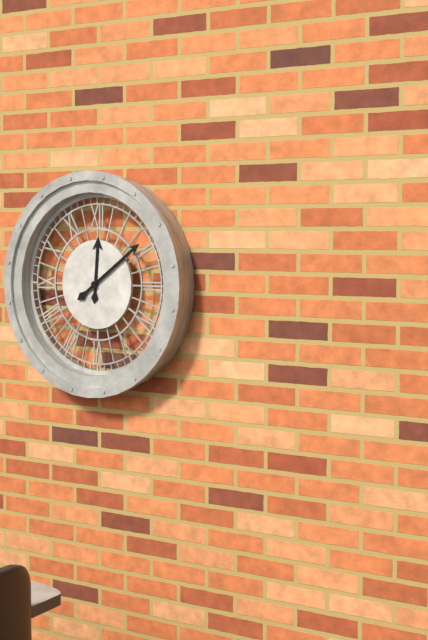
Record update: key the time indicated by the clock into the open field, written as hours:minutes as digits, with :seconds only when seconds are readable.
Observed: 12:09
